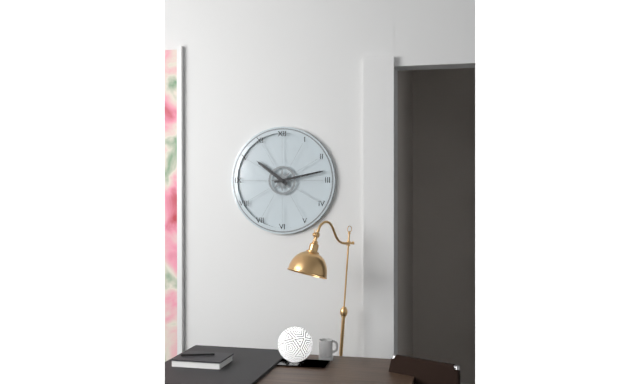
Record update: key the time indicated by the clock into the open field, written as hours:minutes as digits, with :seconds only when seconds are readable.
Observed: 10:13
